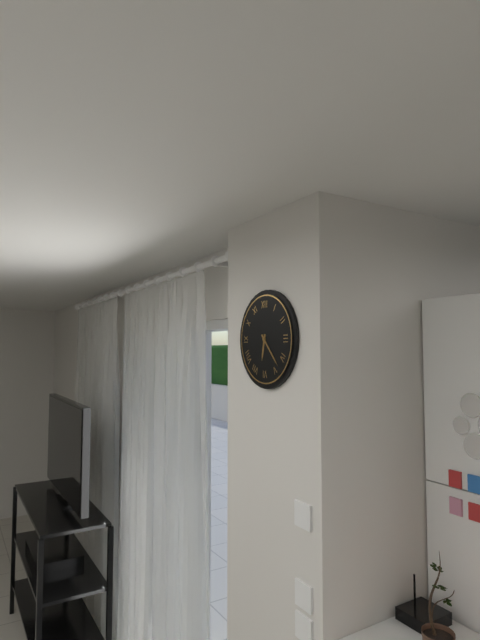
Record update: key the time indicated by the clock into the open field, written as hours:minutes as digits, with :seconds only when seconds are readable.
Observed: 6:23
